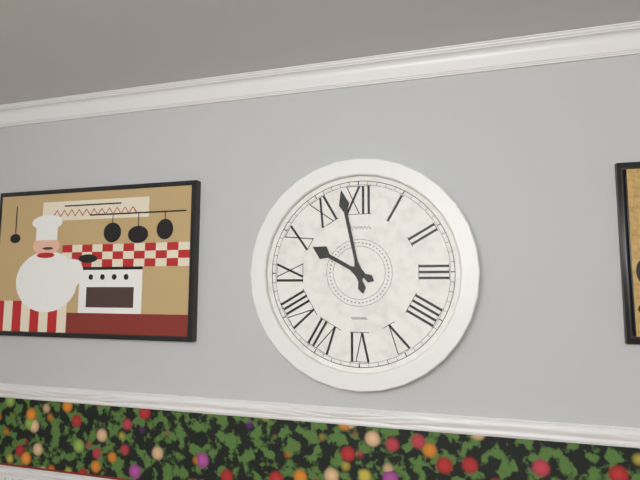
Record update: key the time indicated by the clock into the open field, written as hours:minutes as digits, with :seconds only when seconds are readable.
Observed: 9:58
